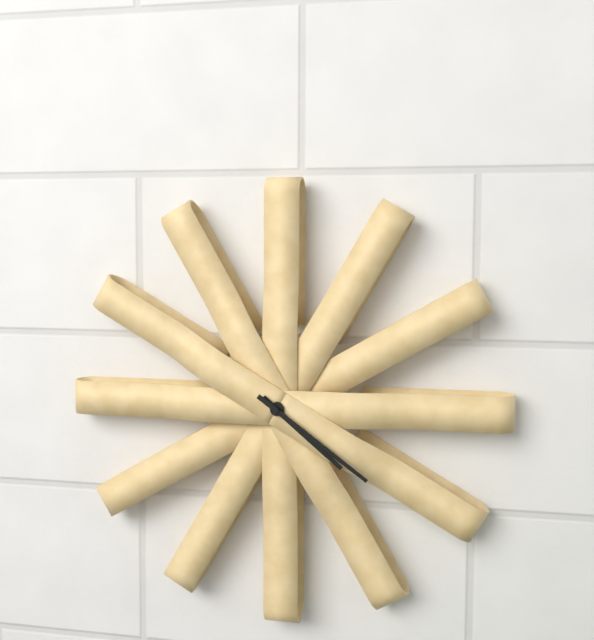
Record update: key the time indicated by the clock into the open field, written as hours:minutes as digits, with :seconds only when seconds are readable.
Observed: 4:21
